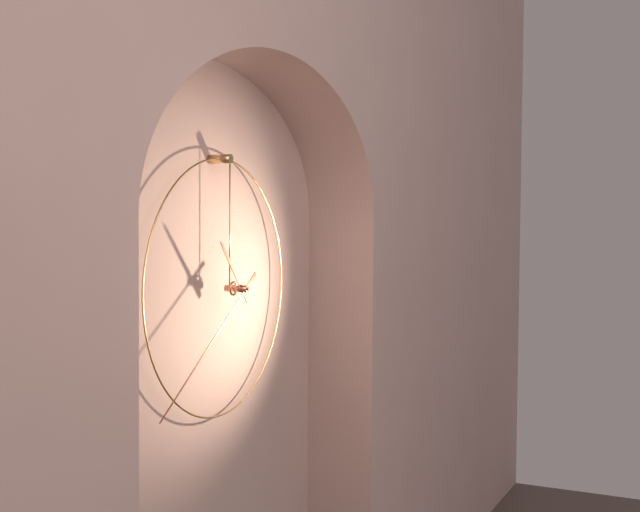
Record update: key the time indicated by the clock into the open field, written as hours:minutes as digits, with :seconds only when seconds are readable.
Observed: 10:39
